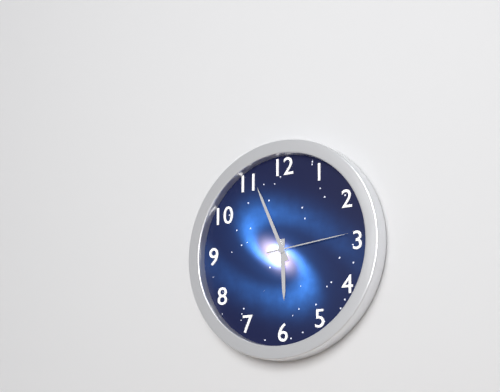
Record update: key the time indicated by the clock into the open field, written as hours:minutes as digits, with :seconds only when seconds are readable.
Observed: 5:56:14
